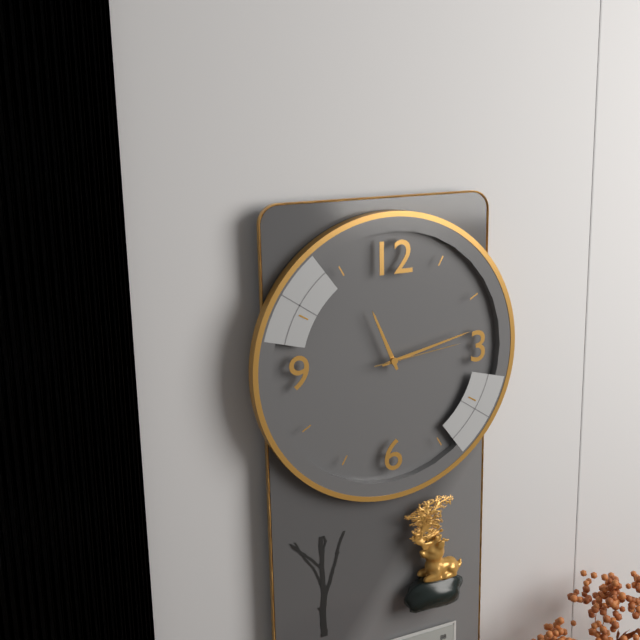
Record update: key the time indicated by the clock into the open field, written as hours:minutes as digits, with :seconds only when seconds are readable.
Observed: 11:13:14
